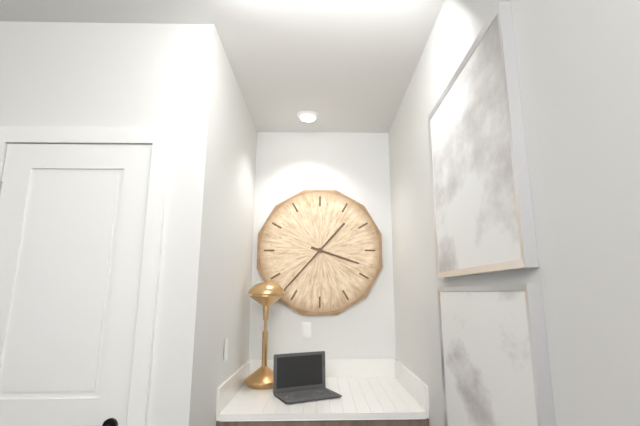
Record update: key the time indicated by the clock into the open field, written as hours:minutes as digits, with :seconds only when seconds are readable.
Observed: 3:37
